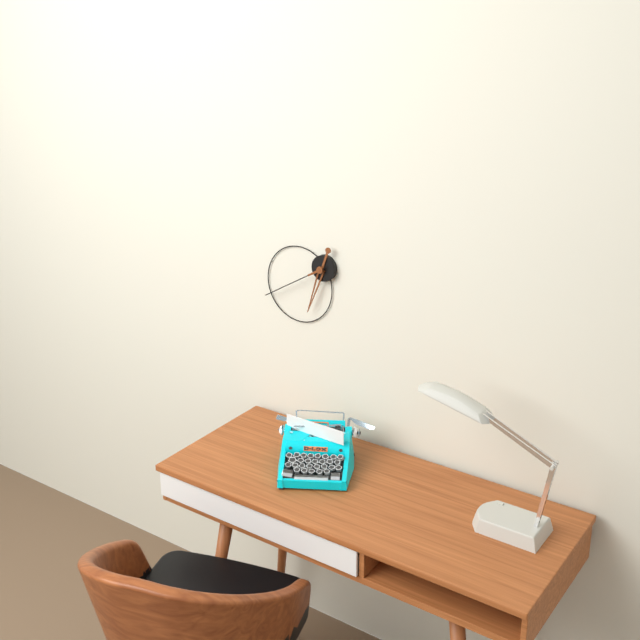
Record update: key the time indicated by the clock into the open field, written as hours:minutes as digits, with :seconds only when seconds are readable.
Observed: 6:40
